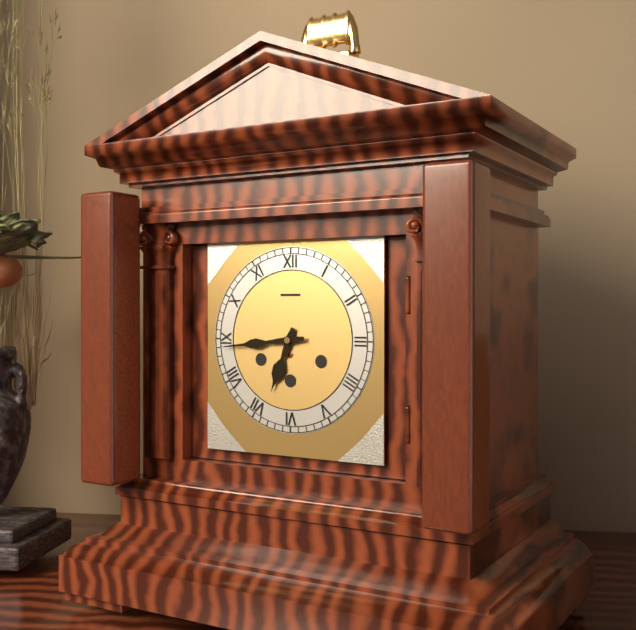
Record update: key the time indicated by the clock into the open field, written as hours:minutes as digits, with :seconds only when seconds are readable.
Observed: 6:44
